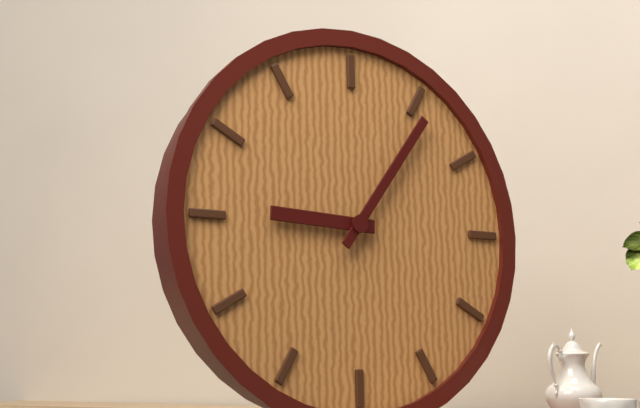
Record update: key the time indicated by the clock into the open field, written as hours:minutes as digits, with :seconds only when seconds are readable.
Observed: 9:06
